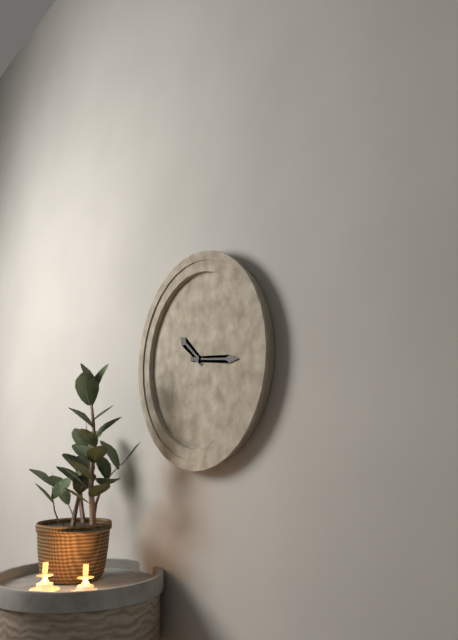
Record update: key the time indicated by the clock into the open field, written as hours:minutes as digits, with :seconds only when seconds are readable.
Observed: 10:16
